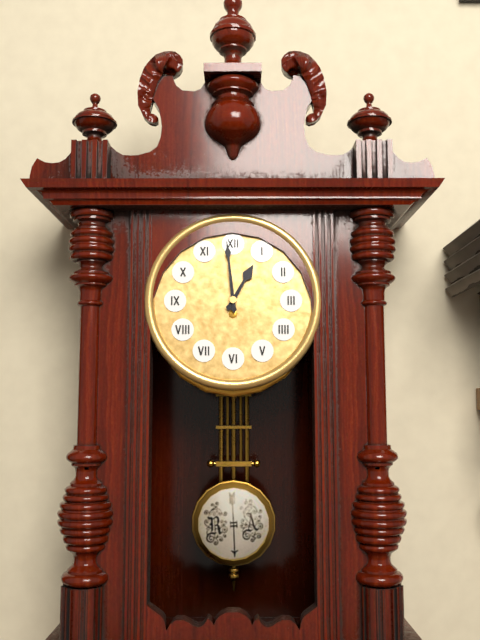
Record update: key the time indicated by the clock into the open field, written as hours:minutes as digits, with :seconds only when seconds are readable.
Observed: 12:59
